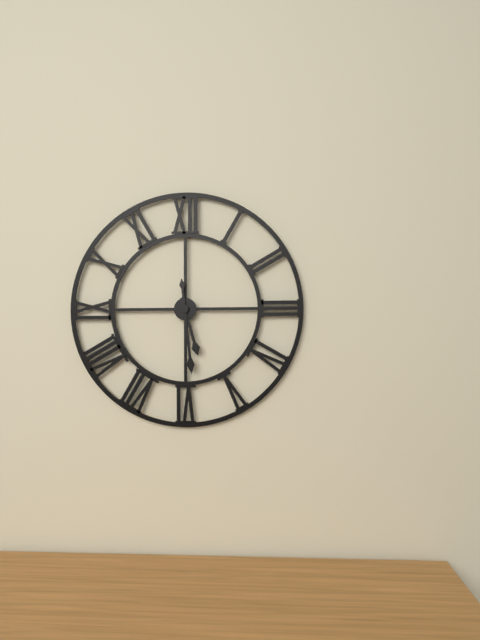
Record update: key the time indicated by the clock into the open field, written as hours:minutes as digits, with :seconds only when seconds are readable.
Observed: 5:29
